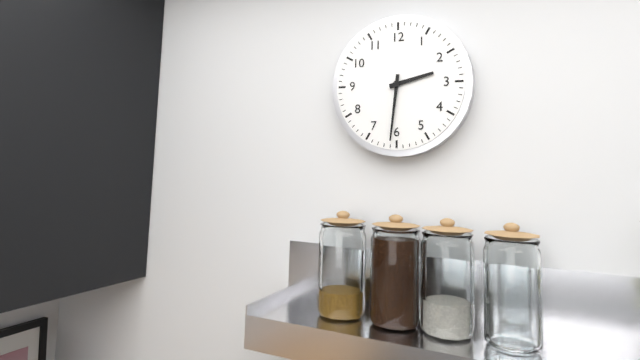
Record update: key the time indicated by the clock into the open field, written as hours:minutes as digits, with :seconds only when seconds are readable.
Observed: 2:31
